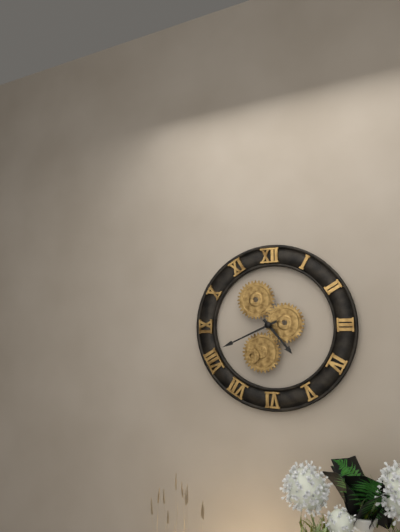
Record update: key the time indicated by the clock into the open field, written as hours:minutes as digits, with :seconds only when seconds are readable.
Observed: 4:41
